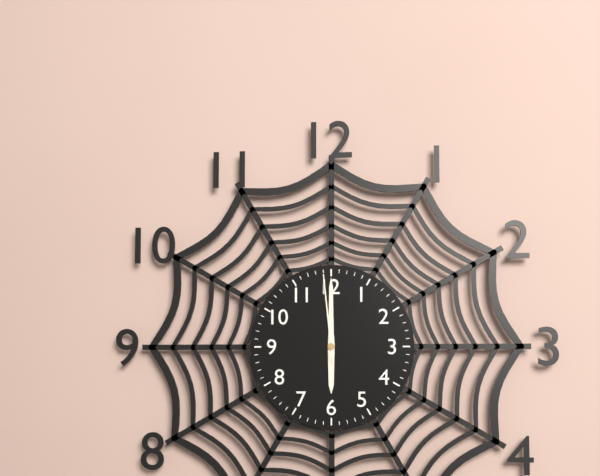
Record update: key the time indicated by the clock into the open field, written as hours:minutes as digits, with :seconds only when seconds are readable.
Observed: 6:00:59
